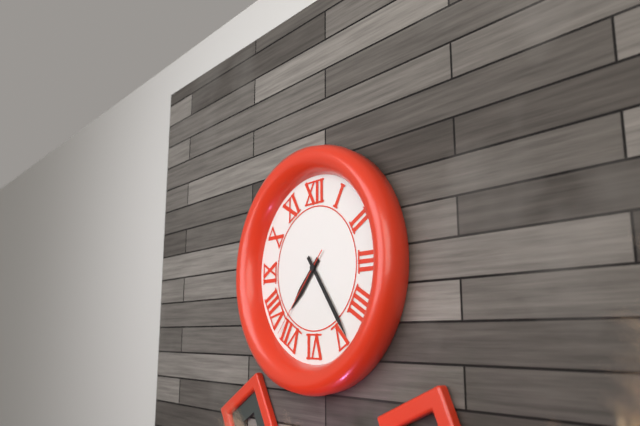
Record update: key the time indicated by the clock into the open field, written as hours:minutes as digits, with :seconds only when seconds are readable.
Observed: 7:24:37
